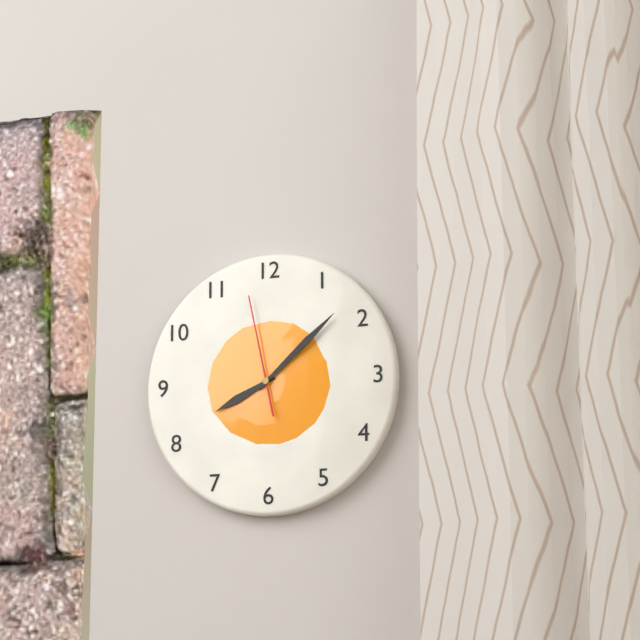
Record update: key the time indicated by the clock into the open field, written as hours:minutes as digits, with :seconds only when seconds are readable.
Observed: 8:08:58
